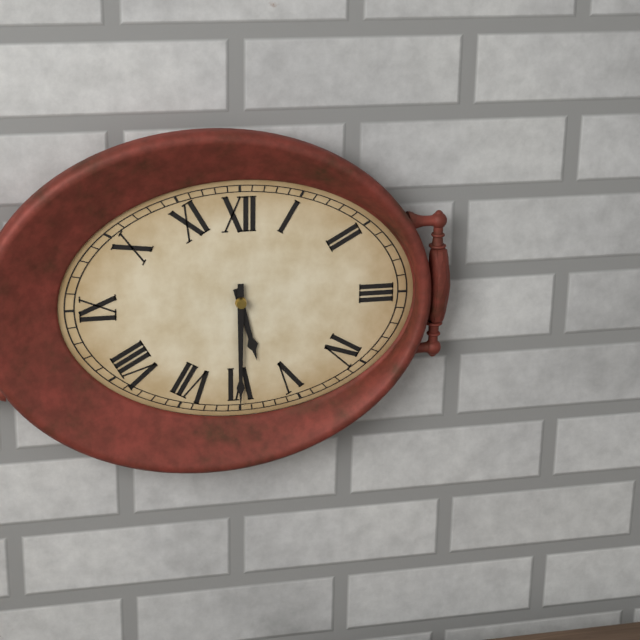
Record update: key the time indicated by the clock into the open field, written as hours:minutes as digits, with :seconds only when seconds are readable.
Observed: 5:30
